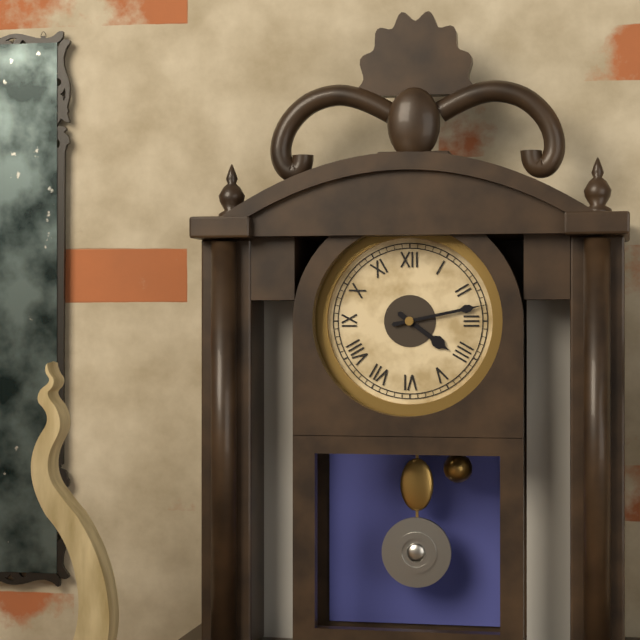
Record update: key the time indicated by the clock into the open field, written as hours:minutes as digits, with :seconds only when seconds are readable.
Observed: 4:13
